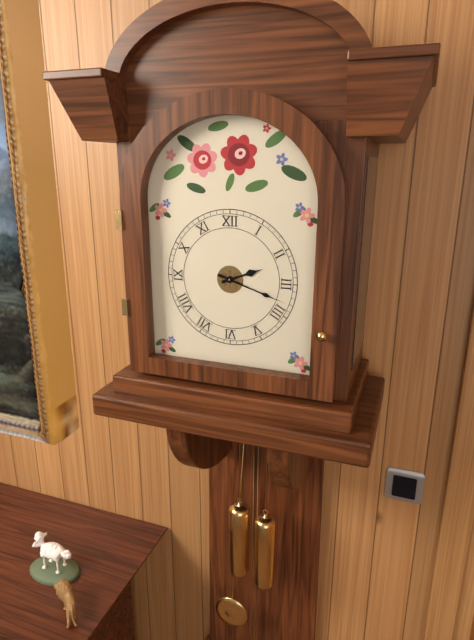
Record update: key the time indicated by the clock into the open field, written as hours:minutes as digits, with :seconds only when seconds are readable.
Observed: 2:18
